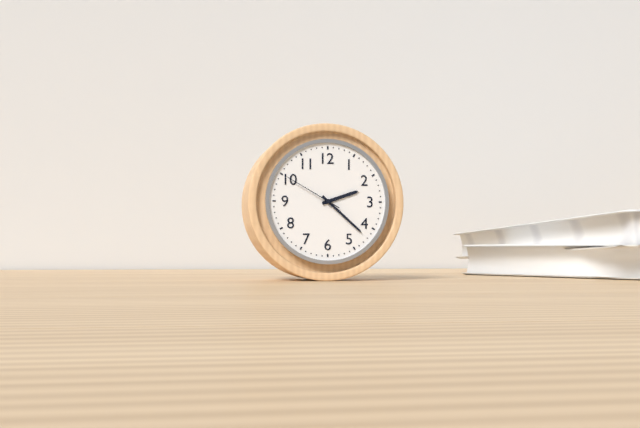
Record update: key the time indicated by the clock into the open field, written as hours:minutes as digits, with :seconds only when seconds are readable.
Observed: 2:22:50
